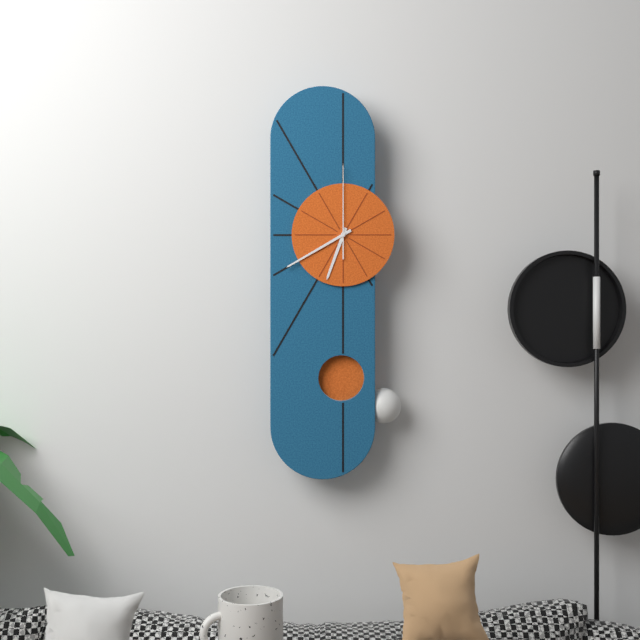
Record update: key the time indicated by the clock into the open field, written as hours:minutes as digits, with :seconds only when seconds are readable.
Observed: 6:40:00
